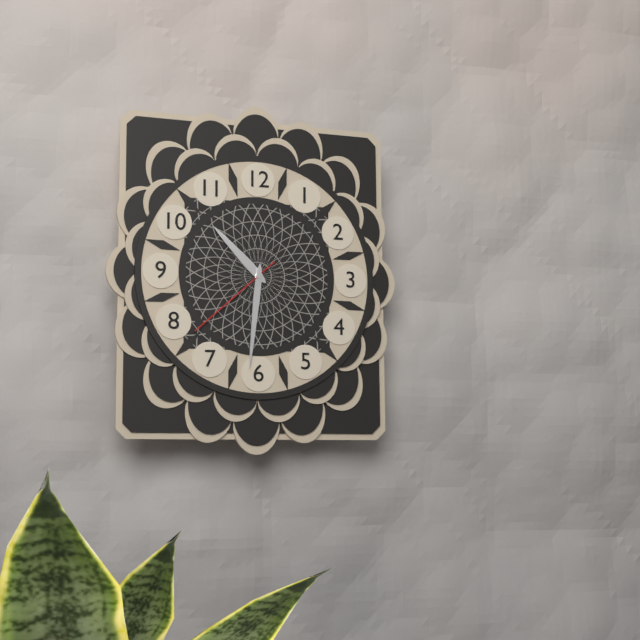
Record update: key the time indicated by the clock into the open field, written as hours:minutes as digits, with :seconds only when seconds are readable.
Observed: 10:31:38
